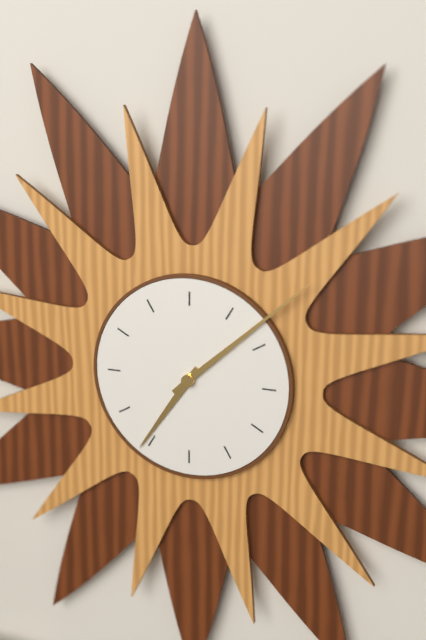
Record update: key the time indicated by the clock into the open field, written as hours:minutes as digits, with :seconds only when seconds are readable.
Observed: 7:08
